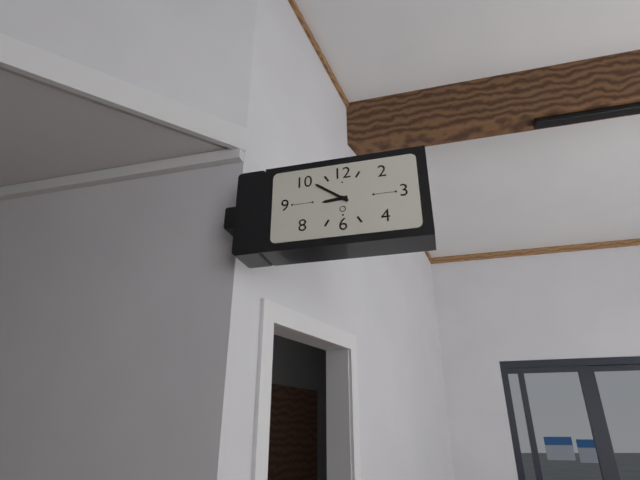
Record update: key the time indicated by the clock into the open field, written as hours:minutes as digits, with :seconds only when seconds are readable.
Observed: 8:51
